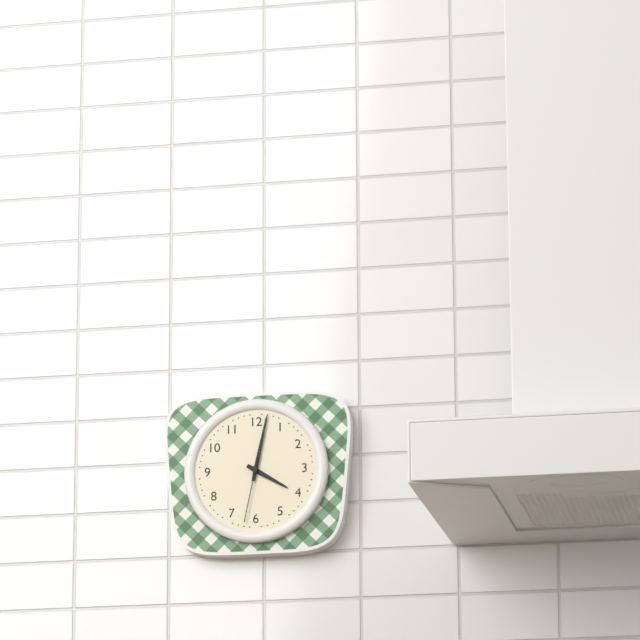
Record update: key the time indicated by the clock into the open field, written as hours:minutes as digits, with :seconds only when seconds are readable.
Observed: 4:02:32
